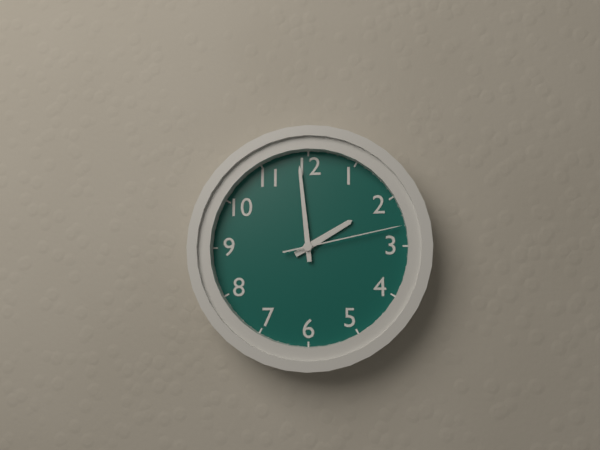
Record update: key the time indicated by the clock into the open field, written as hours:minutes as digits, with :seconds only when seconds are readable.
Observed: 1:59:13
